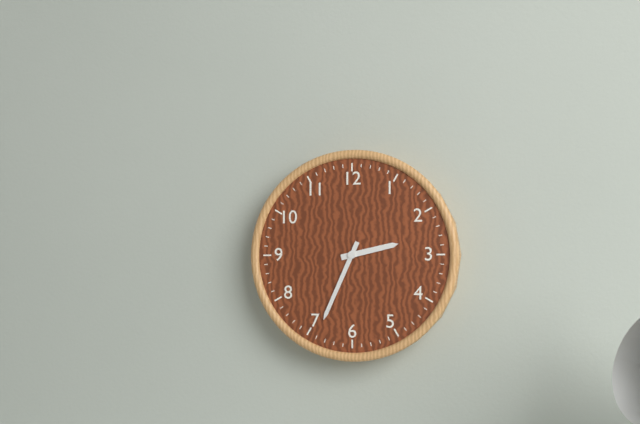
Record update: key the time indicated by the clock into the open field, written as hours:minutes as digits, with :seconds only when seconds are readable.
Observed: 2:34
